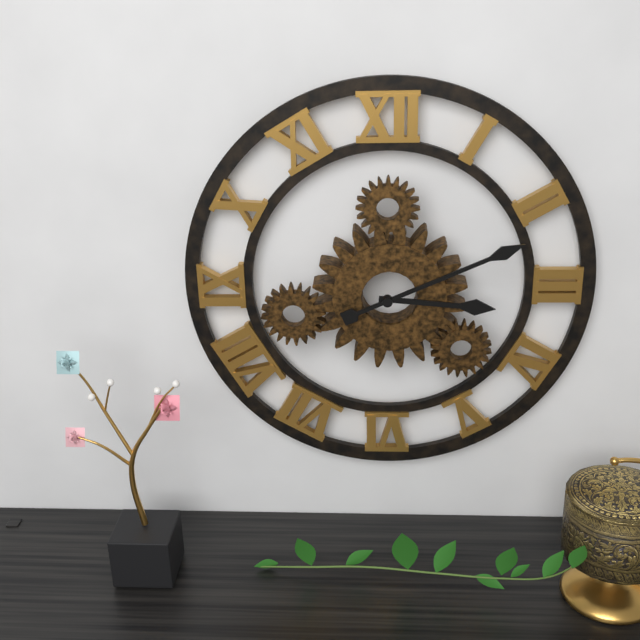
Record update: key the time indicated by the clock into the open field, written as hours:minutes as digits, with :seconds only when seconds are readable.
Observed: 3:11
